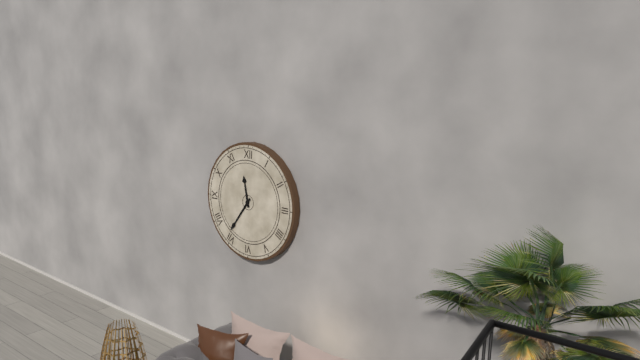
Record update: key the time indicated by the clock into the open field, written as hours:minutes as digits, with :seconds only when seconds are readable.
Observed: 11:36
